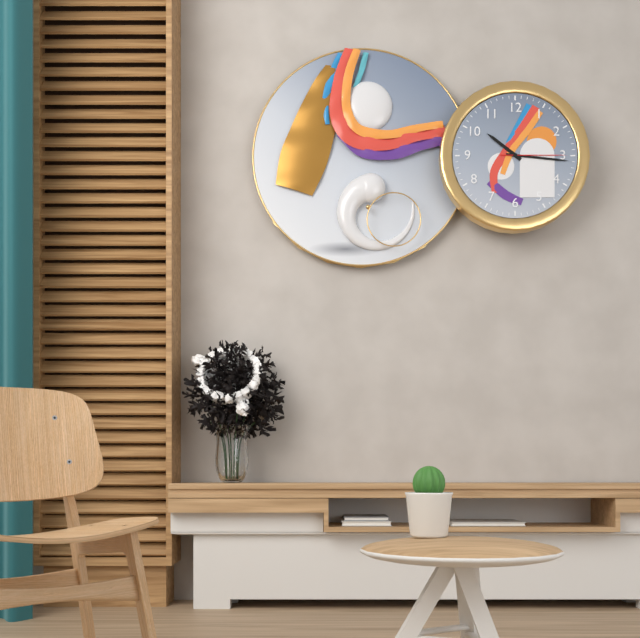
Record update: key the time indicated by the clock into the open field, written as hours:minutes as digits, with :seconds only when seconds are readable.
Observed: 10:16:15
